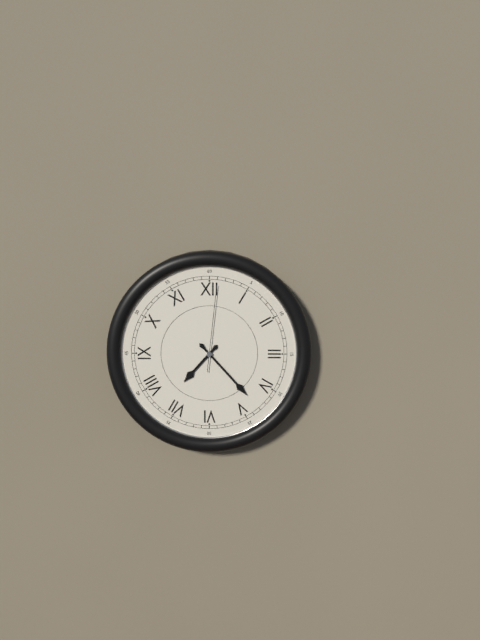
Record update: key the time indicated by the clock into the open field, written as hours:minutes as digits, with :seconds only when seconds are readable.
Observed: 7:23:01
